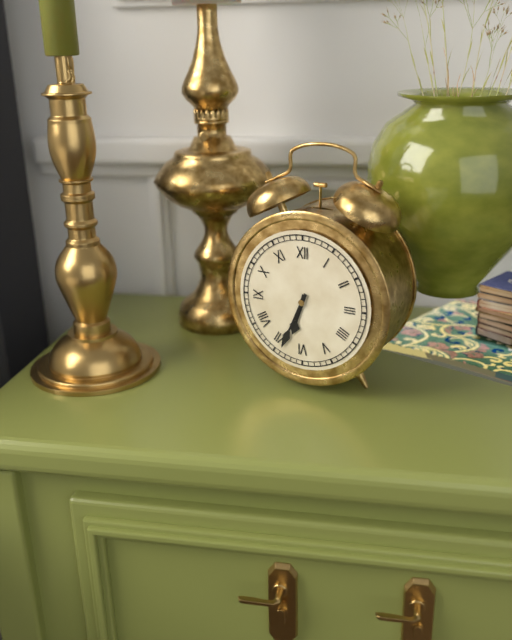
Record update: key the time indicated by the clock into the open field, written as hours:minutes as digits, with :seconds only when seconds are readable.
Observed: 6:34
